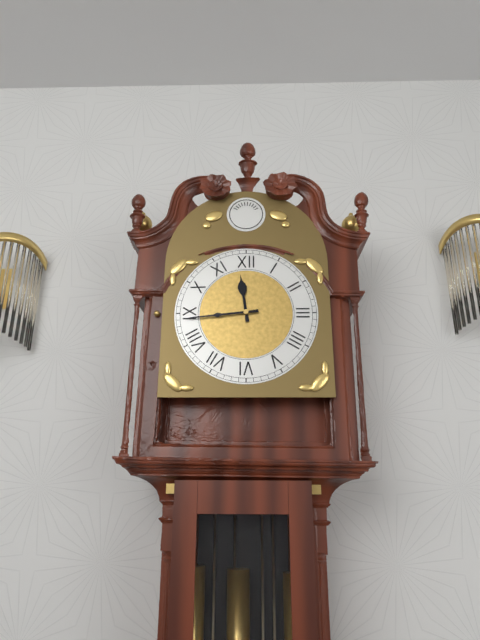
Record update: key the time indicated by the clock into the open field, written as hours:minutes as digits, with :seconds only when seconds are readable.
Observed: 11:44
